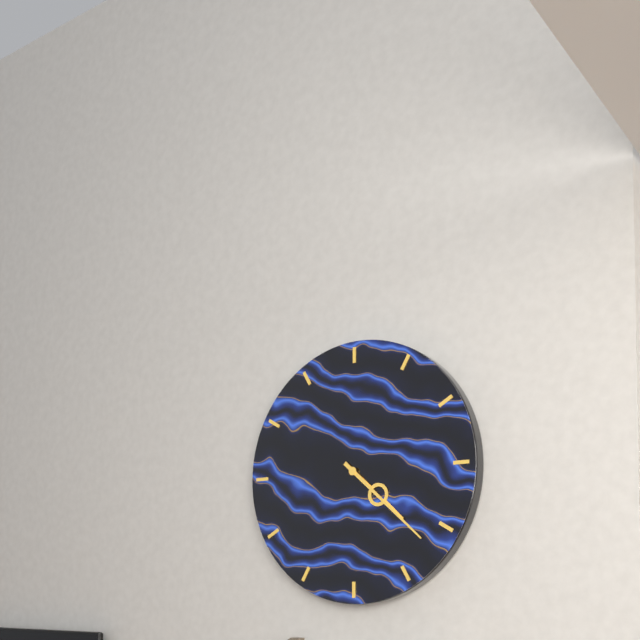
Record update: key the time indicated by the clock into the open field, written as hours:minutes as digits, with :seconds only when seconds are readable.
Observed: 4:22
